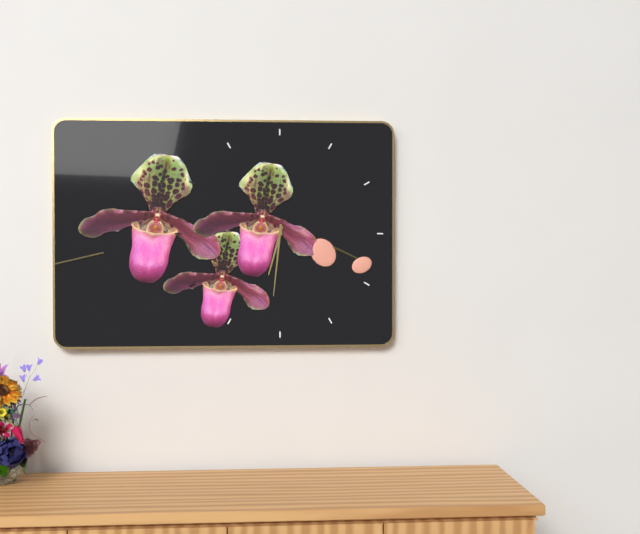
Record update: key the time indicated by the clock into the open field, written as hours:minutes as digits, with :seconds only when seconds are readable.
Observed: 6:31
